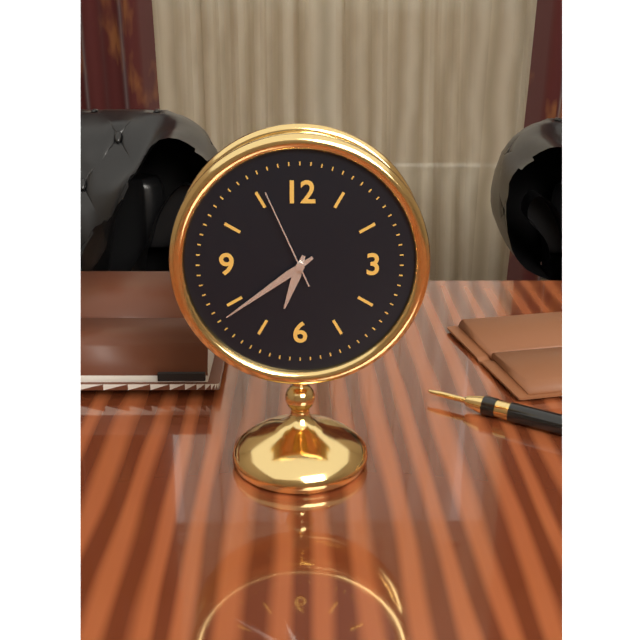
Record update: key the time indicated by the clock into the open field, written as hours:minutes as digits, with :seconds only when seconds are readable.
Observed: 6:39:56
